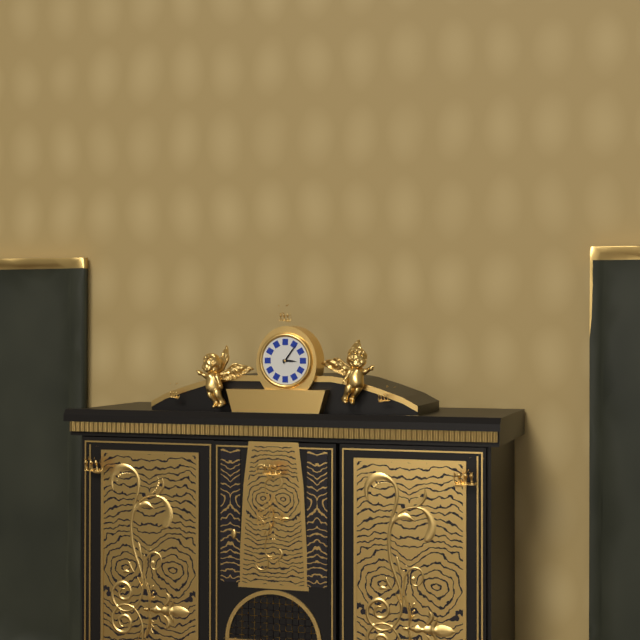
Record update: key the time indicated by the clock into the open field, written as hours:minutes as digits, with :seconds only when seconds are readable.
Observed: 3:06
